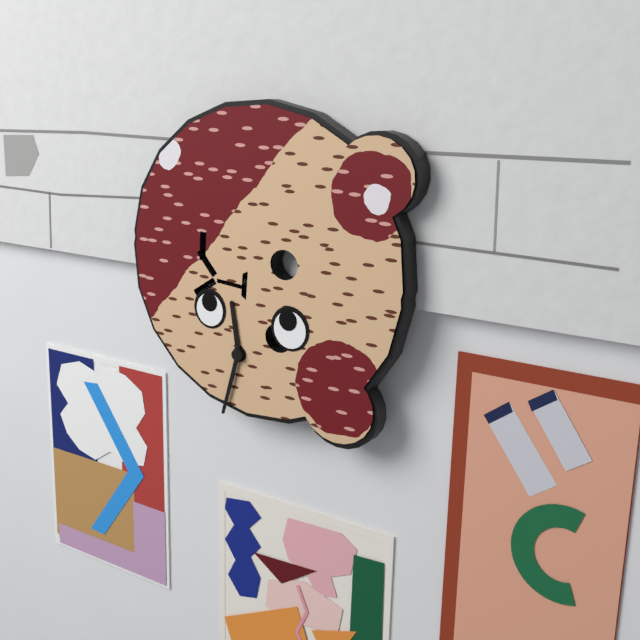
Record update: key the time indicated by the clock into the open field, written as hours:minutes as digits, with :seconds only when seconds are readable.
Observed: 11:32
